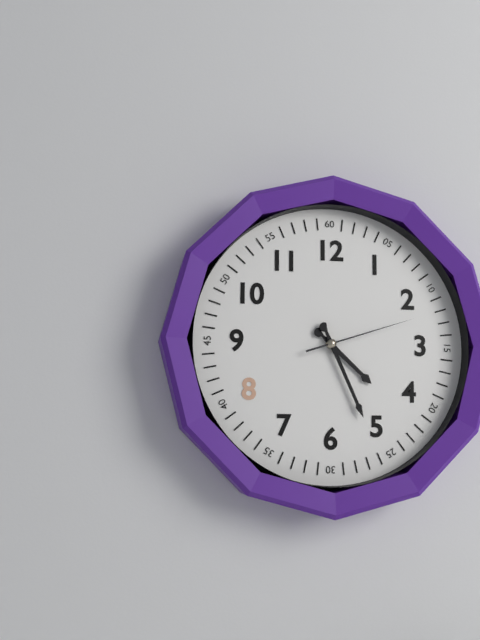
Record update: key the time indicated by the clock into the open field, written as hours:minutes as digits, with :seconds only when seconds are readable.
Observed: 4:26:12
